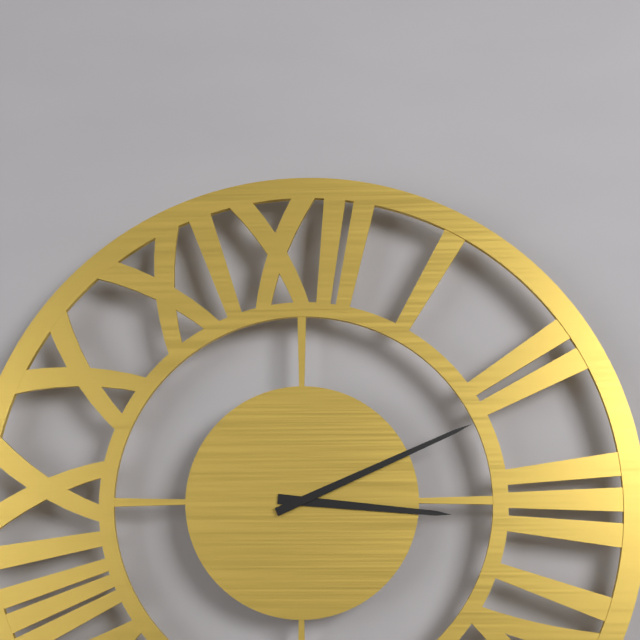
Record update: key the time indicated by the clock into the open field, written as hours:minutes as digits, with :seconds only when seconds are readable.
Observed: 3:11
